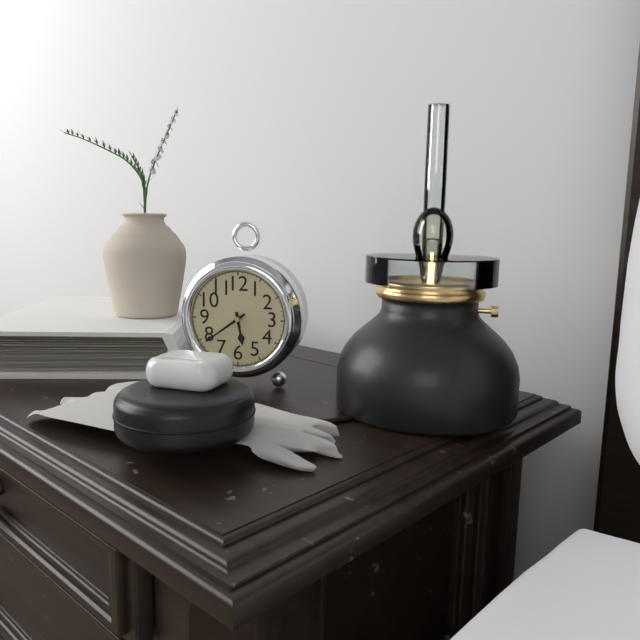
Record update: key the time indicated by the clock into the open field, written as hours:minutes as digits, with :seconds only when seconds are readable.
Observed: 5:39
